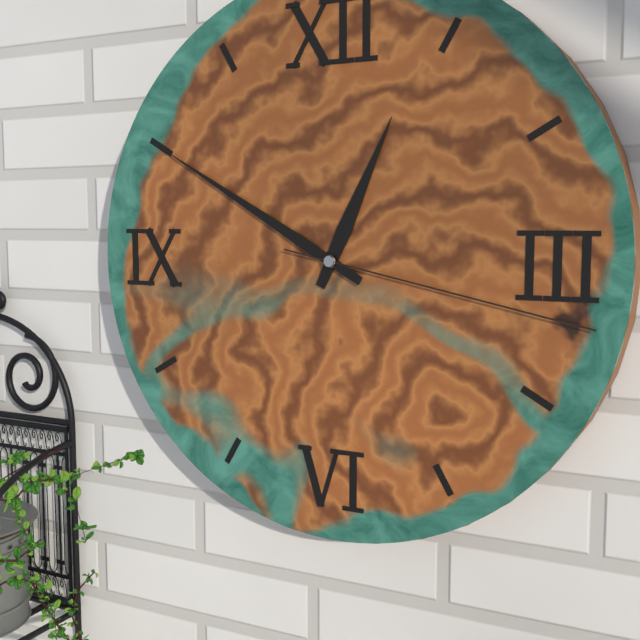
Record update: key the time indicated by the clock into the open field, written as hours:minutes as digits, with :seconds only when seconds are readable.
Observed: 12:50:17
